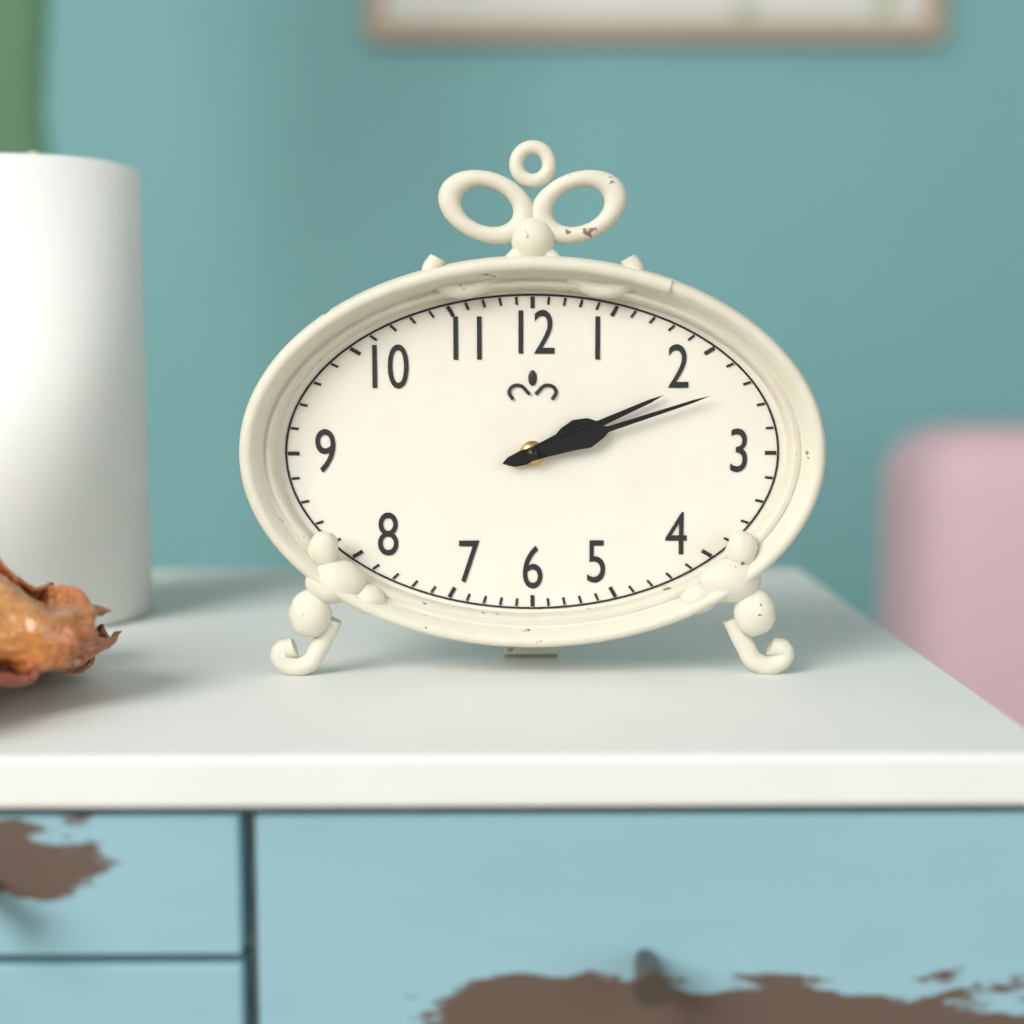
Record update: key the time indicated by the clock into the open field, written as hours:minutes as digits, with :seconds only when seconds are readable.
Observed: 2:12
